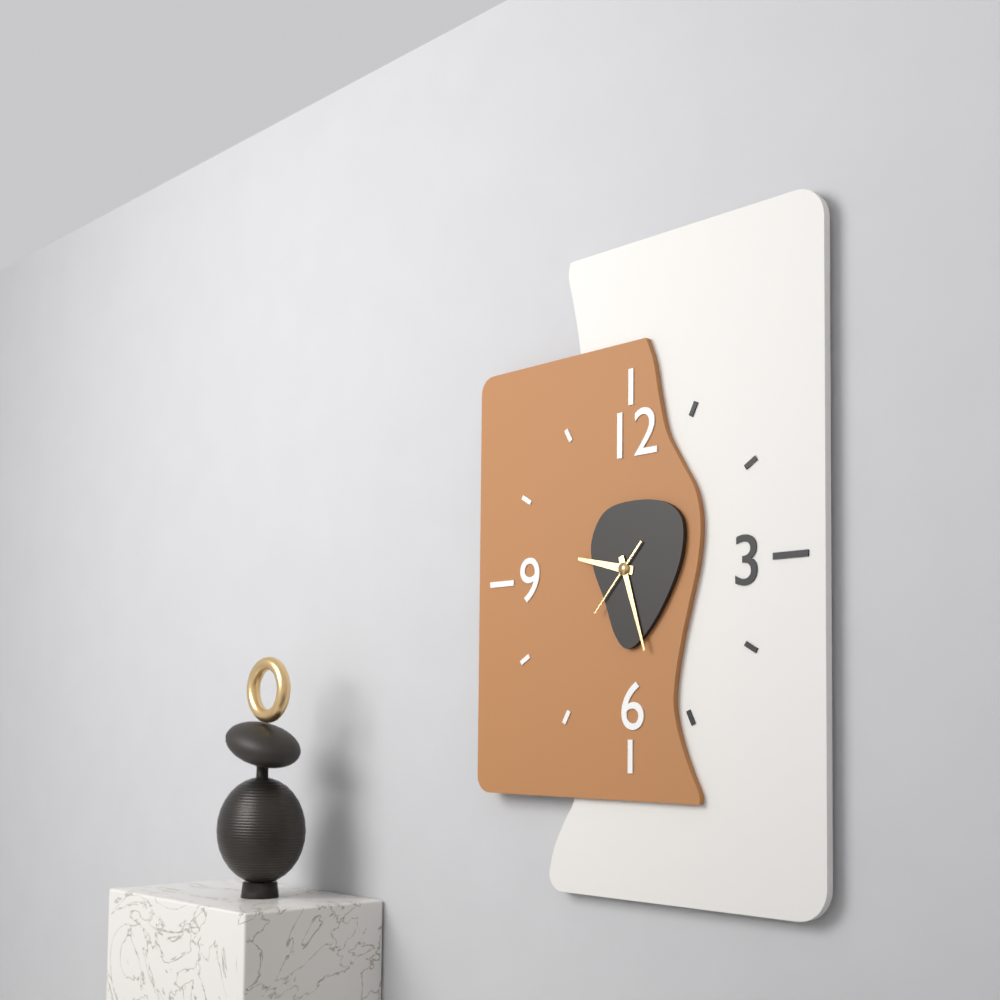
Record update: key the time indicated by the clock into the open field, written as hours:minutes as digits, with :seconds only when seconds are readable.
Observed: 9:27:37
